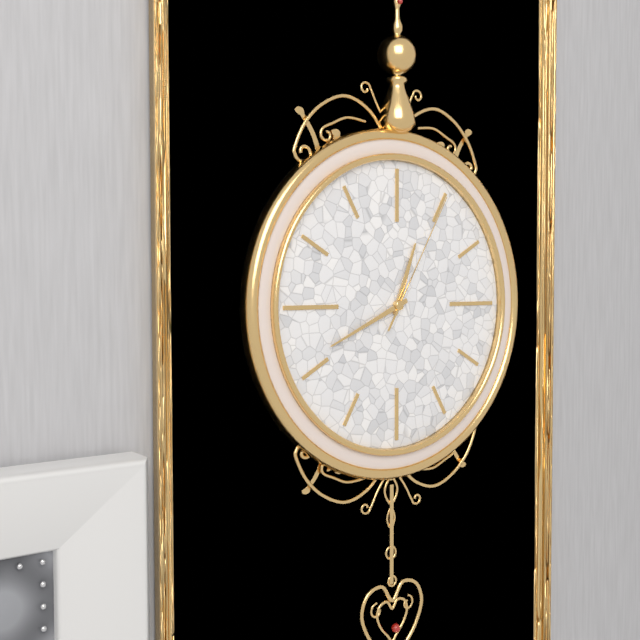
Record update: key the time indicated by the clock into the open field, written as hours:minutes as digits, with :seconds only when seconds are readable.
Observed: 12:41:05
